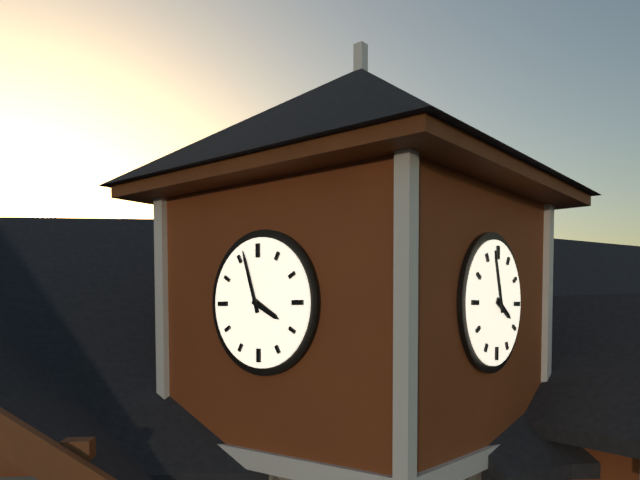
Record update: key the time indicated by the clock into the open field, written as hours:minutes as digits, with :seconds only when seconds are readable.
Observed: 3:57
